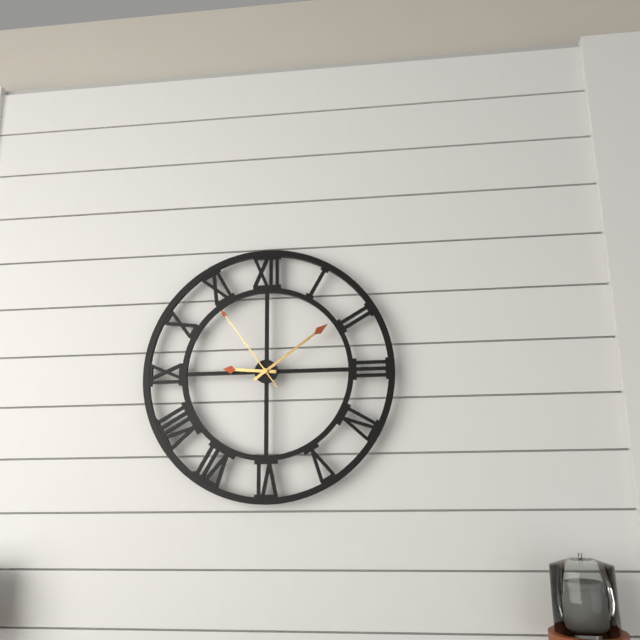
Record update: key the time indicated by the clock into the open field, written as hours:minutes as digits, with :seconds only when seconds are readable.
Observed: 9:09:54
